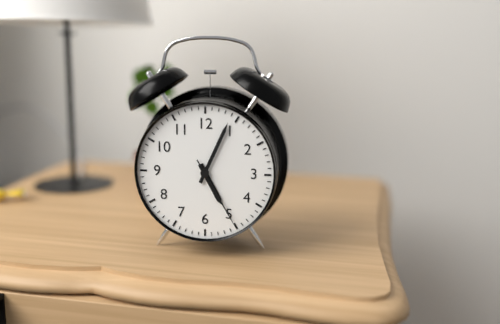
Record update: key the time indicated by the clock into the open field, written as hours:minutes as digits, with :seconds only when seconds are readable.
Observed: 5:04:25
